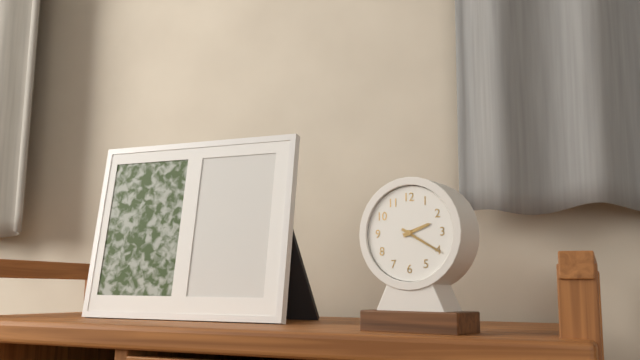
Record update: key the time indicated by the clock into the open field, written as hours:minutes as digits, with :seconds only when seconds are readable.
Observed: 2:20
